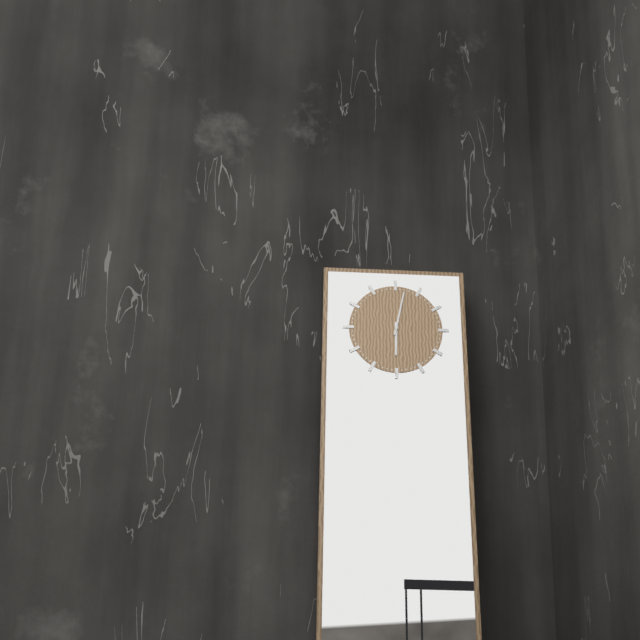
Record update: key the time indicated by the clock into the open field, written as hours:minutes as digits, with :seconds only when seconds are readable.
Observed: 6:02
